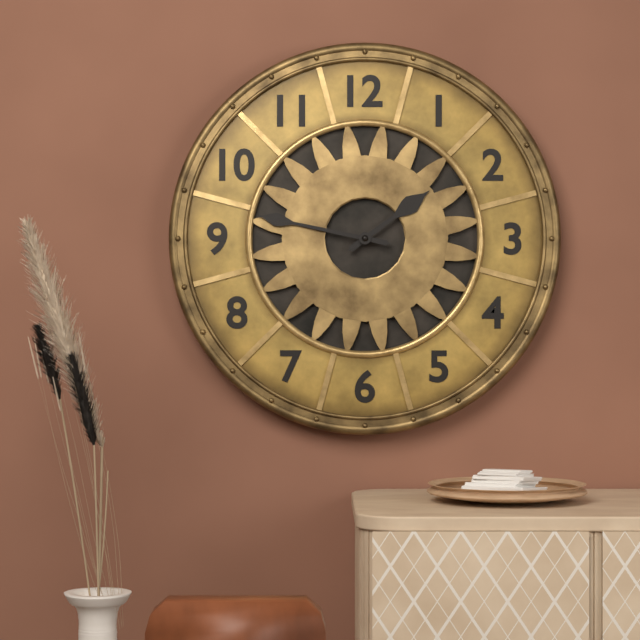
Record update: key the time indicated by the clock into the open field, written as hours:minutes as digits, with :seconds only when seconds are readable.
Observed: 1:47
